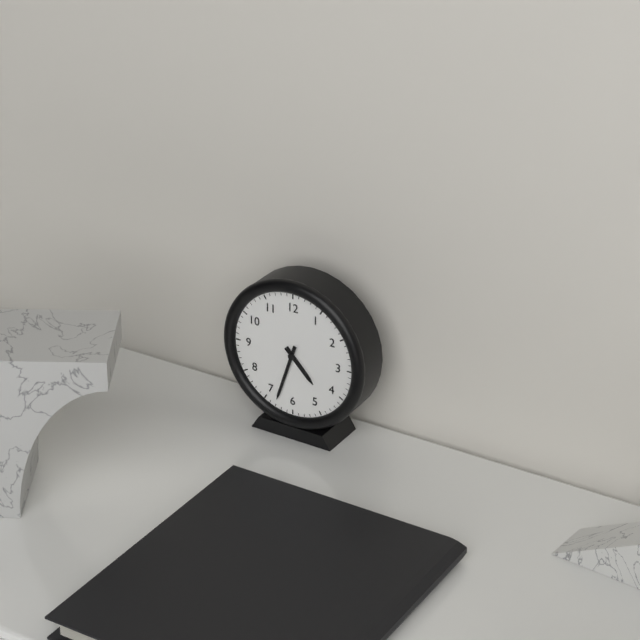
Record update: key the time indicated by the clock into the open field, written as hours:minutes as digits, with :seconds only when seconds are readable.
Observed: 4:33
